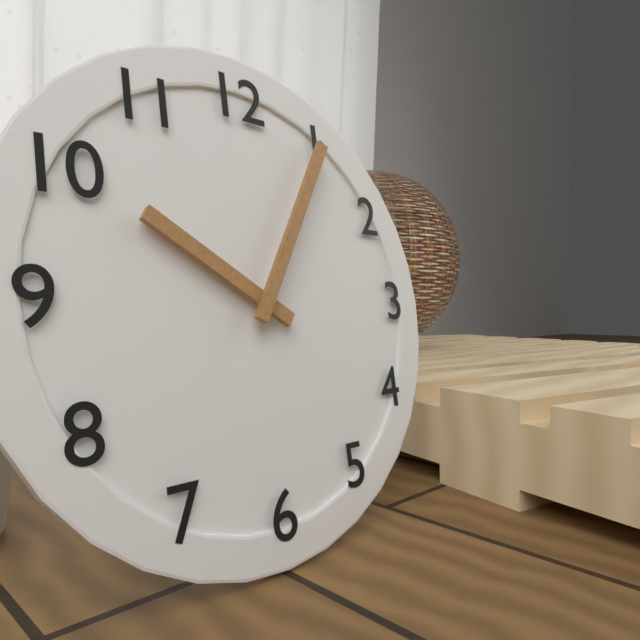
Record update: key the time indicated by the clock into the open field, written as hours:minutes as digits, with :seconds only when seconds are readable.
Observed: 10:05
